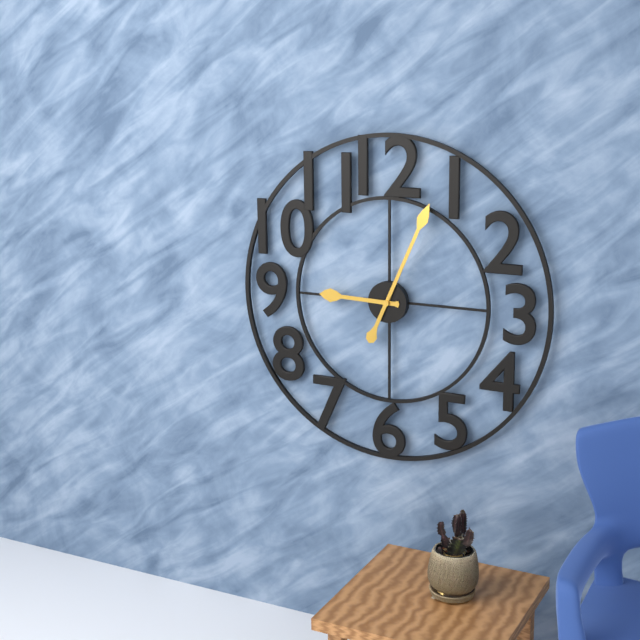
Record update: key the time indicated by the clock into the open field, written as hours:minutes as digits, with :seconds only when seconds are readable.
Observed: 9:04
